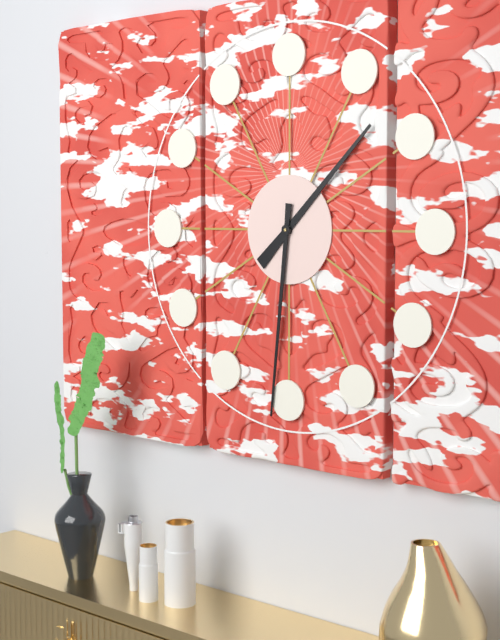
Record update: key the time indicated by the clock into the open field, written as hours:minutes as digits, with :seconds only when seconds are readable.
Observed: 1:31
